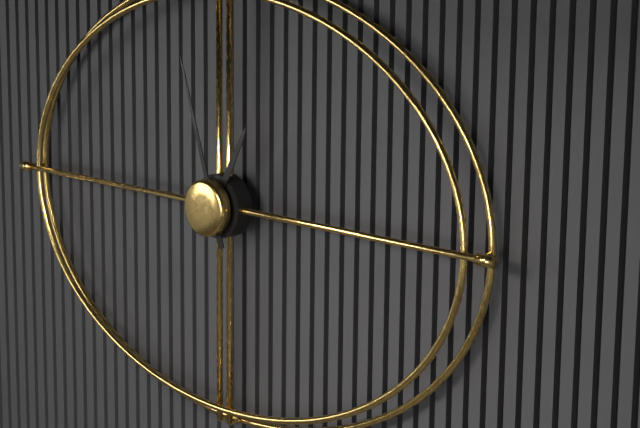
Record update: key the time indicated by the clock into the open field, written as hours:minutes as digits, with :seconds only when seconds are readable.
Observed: 12:57
